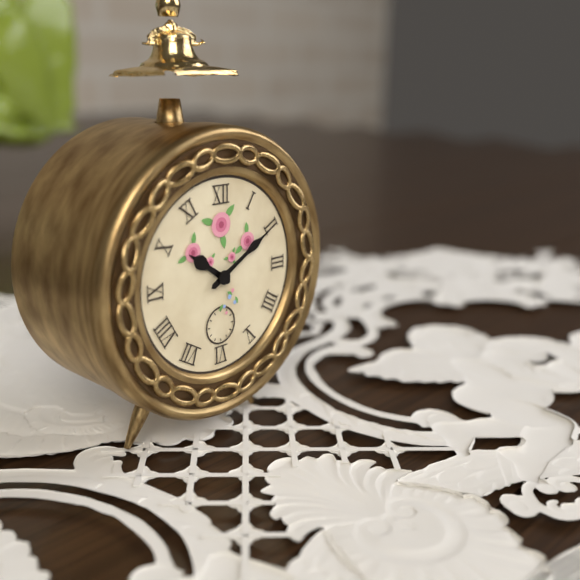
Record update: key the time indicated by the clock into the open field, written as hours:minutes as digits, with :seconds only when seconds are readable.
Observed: 10:10
